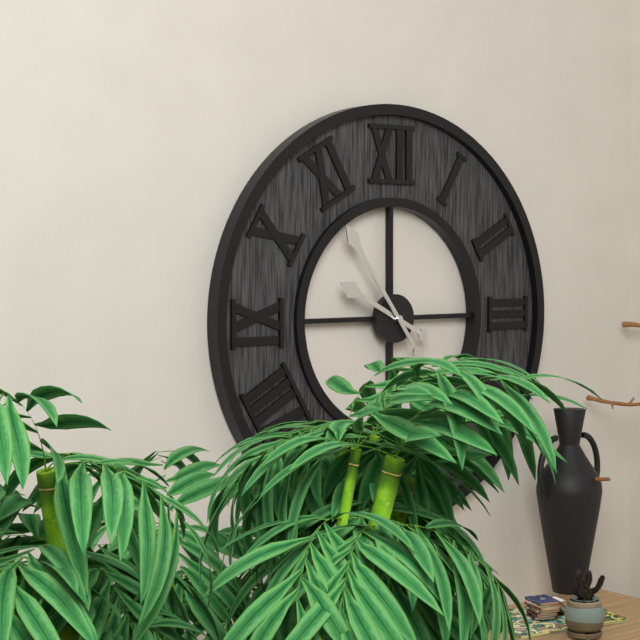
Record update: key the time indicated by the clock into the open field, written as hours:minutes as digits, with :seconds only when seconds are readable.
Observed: 9:54
